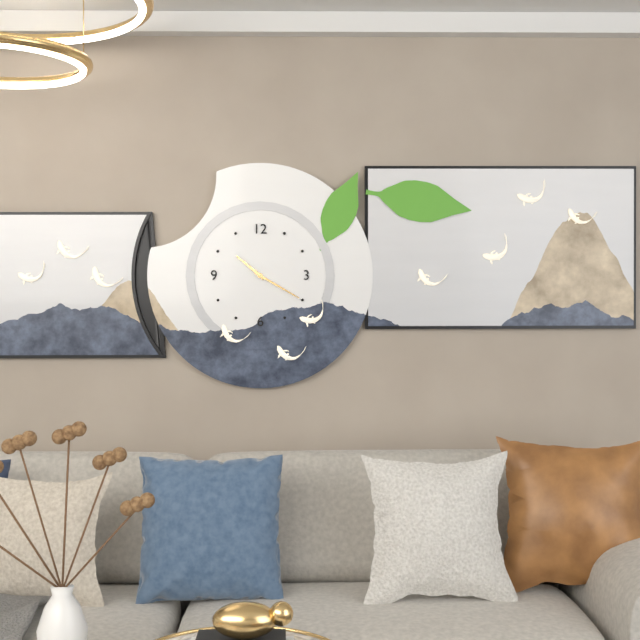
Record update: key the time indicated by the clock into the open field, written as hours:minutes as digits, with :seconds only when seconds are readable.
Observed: 10:20
